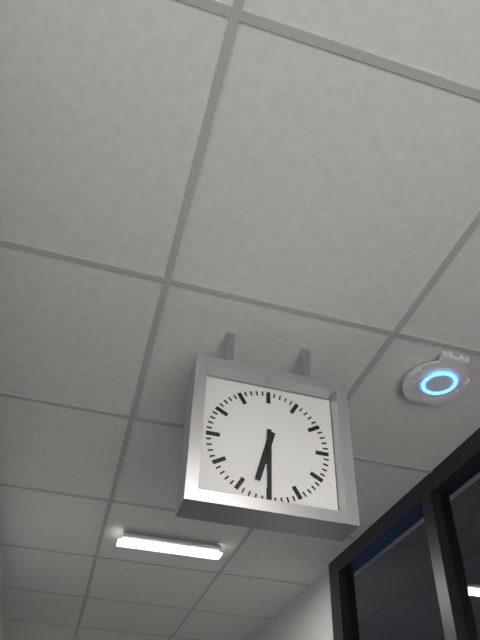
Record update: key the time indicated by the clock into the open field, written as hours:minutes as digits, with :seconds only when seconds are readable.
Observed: 6:30
